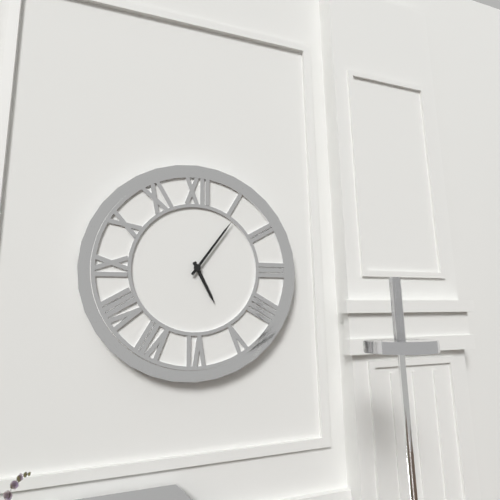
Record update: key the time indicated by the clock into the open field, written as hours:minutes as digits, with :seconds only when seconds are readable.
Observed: 5:06
